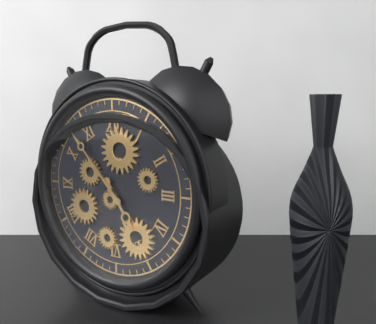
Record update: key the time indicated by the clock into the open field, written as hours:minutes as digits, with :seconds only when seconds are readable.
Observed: 4:53
